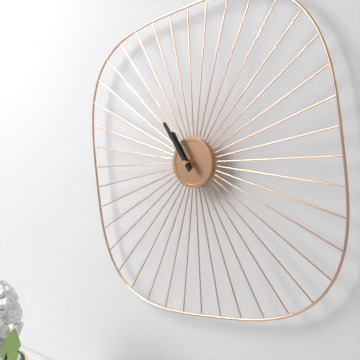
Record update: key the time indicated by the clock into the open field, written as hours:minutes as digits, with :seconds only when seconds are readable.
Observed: 10:54
